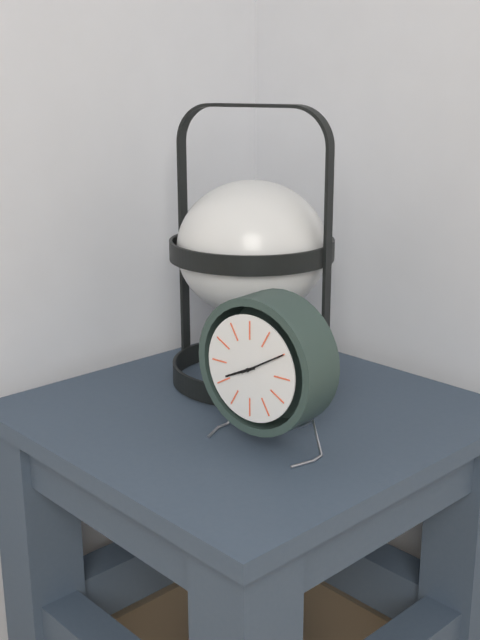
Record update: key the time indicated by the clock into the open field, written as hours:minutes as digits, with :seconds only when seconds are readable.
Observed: 8:10
